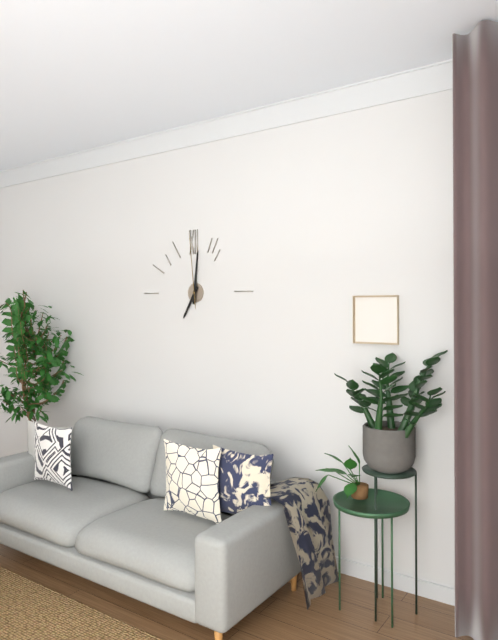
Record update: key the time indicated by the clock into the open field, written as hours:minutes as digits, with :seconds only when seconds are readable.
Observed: 7:01:59
